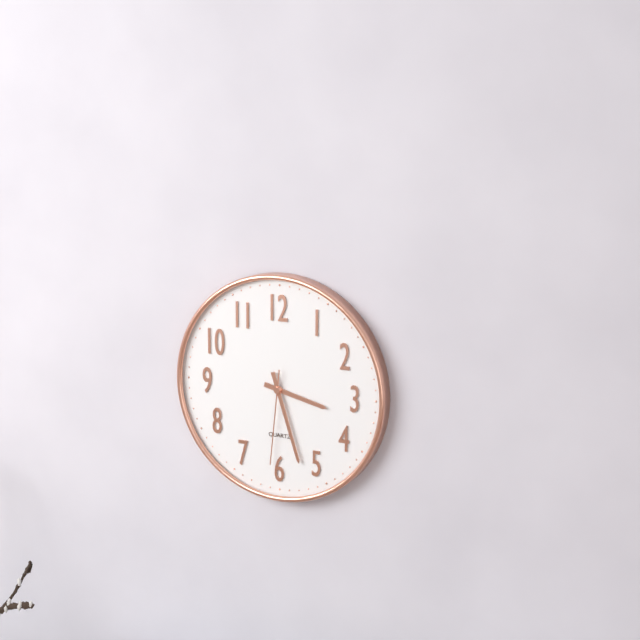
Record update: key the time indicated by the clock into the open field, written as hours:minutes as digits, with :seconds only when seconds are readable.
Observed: 3:27:31
